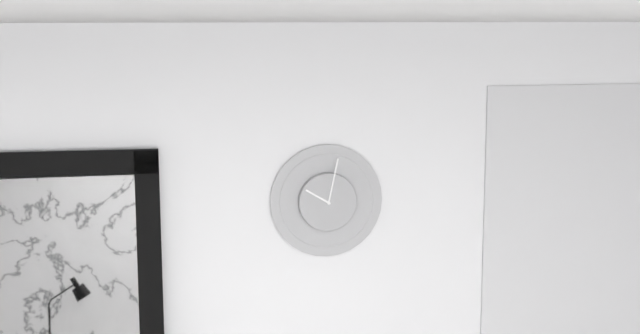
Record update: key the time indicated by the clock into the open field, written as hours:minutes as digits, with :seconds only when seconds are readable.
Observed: 10:02
